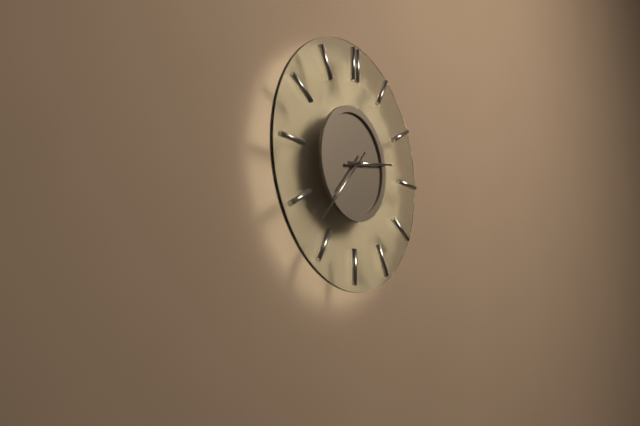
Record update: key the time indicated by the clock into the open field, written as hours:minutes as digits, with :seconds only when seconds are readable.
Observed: 2:37
